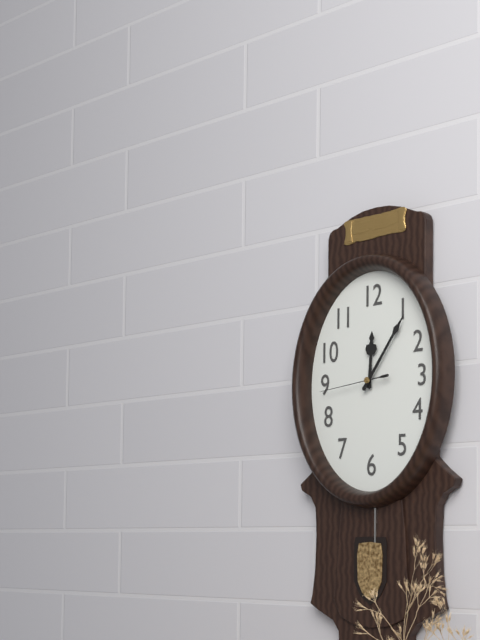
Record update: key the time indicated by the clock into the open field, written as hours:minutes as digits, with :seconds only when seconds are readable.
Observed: 12:06:44
